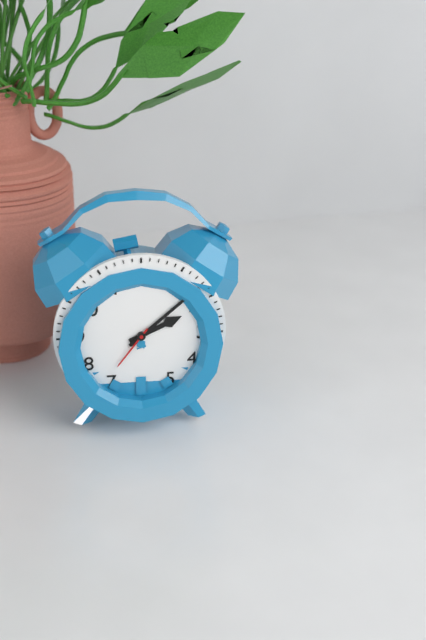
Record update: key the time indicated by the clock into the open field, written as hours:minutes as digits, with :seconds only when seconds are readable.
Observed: 2:08:36
